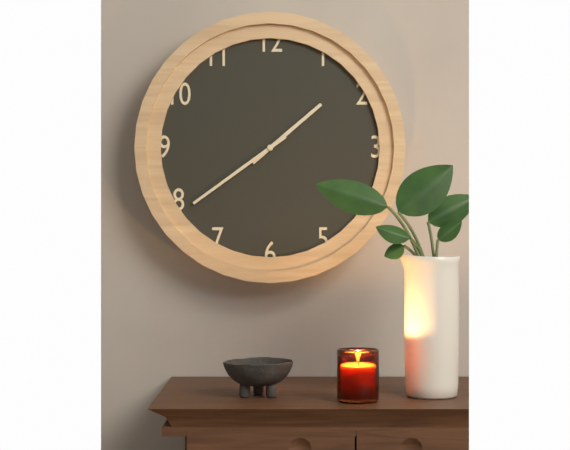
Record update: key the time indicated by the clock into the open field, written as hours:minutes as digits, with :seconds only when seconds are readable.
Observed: 1:39
